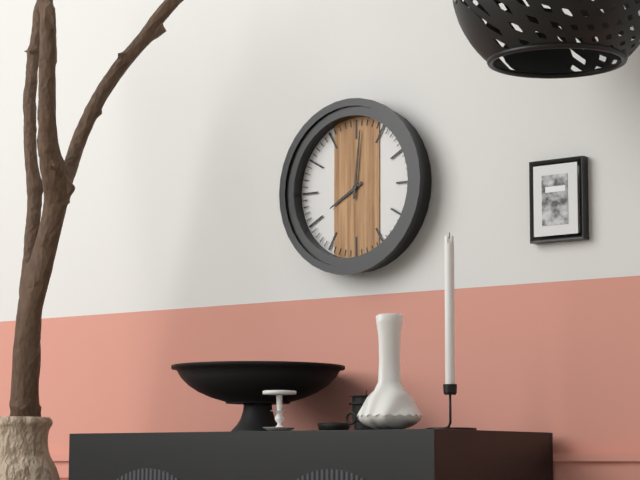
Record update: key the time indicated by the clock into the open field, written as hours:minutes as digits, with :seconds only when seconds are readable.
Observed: 8:01
